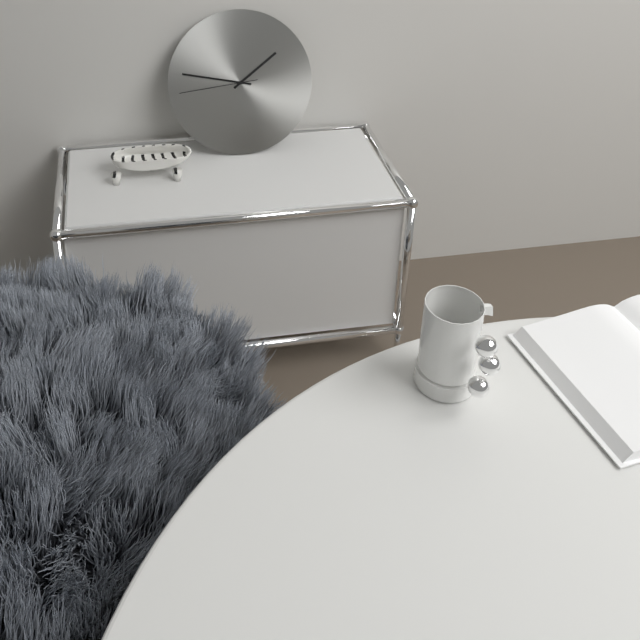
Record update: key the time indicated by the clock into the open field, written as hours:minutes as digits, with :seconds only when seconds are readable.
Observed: 1:47:44
